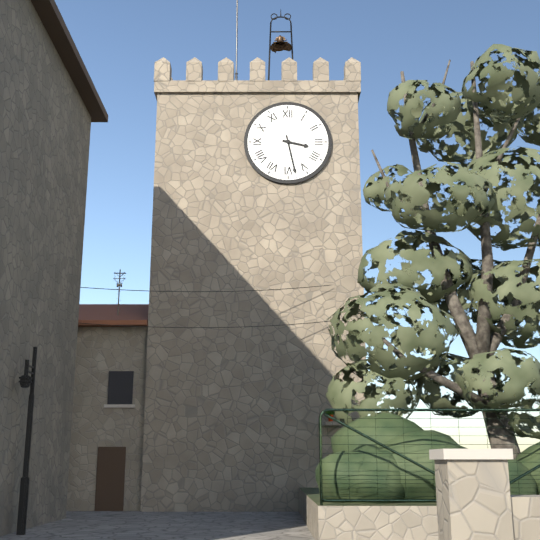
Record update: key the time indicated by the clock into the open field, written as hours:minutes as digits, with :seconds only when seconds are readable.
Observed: 3:28
